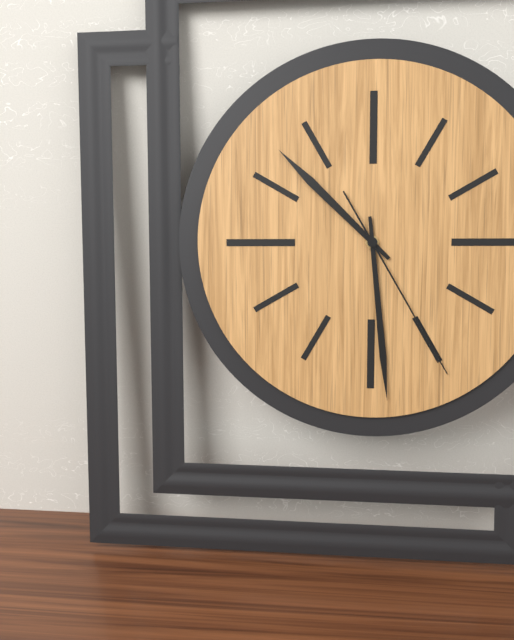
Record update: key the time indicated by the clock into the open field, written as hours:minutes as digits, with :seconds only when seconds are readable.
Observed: 10:29:25
